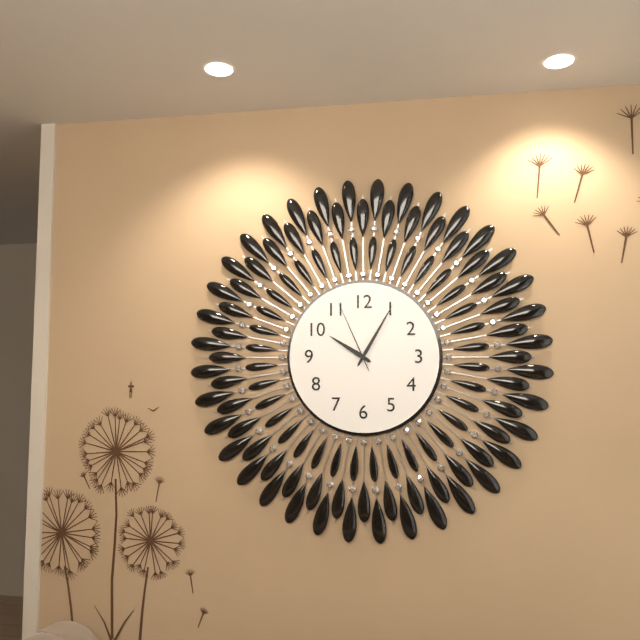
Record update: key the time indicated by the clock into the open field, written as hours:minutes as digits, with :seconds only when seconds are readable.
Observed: 10:05:56
